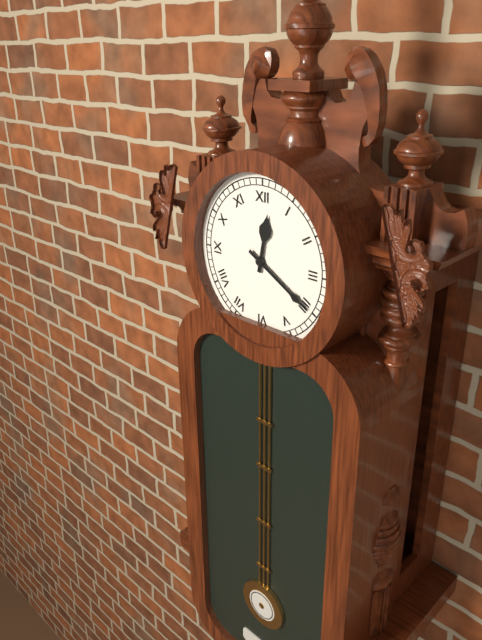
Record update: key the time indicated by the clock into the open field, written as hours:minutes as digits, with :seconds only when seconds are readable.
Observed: 12:20
